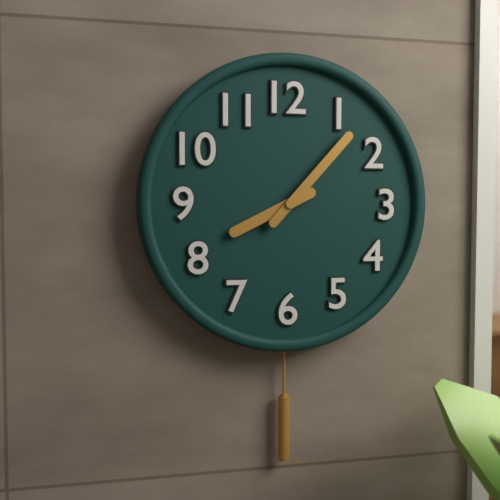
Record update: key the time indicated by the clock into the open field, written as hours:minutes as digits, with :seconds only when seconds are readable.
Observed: 8:07
